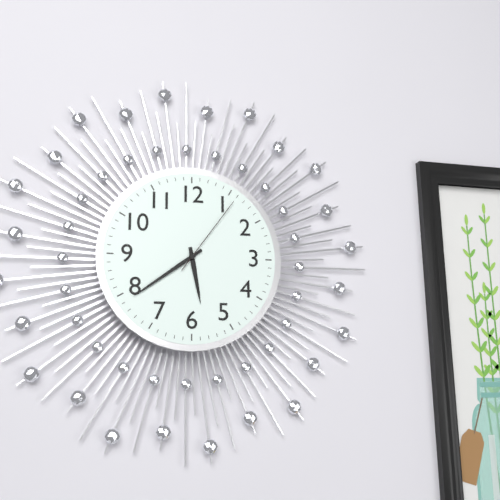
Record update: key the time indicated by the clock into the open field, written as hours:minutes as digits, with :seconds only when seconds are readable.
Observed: 5:39:06
